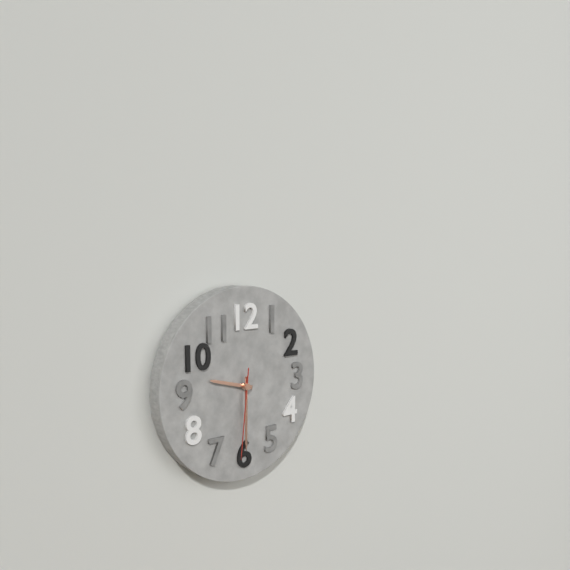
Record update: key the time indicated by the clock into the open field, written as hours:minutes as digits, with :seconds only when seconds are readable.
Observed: 9:30:31
